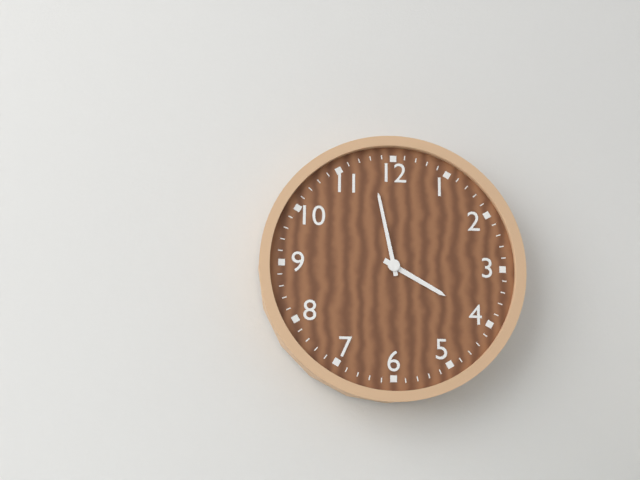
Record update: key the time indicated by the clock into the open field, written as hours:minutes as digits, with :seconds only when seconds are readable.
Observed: 3:58
